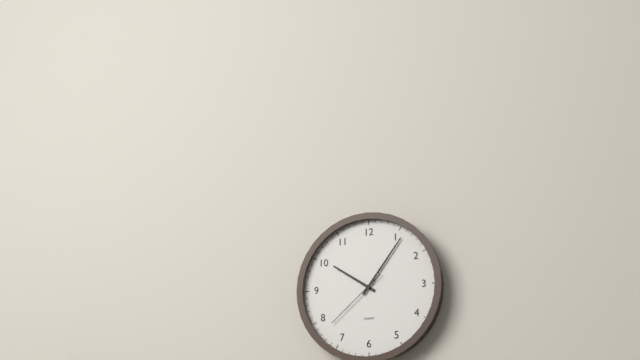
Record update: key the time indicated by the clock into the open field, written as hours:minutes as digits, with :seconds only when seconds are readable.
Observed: 10:06:38
